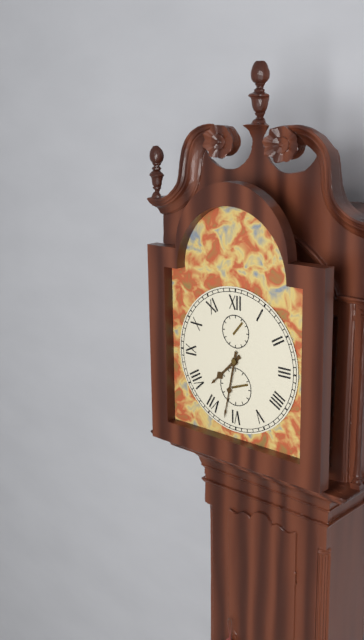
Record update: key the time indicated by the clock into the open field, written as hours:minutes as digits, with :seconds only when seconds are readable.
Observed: 7:32
